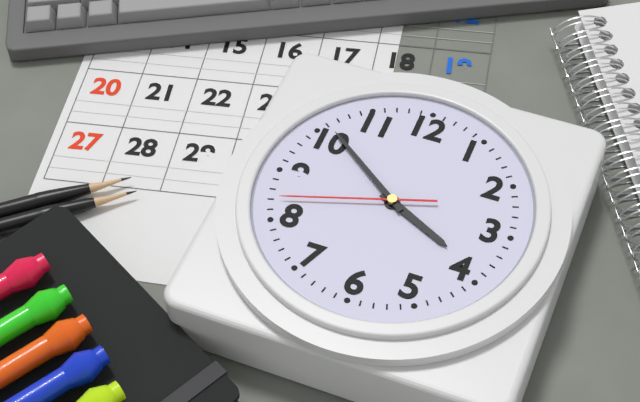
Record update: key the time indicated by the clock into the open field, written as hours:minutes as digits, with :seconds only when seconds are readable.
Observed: 3:51:42
